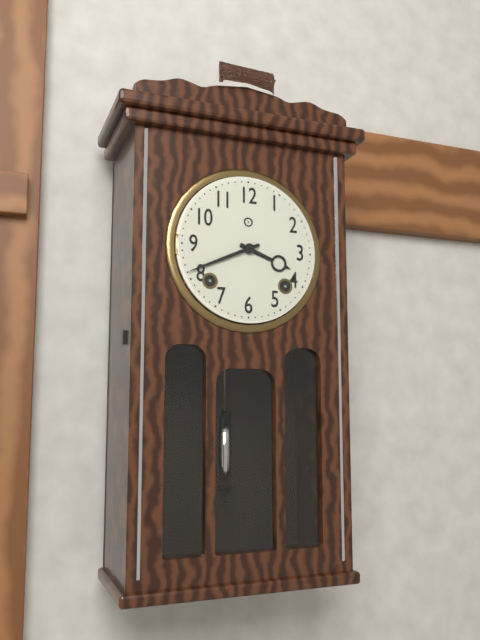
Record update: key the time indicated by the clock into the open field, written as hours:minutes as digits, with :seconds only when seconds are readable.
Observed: 3:41
